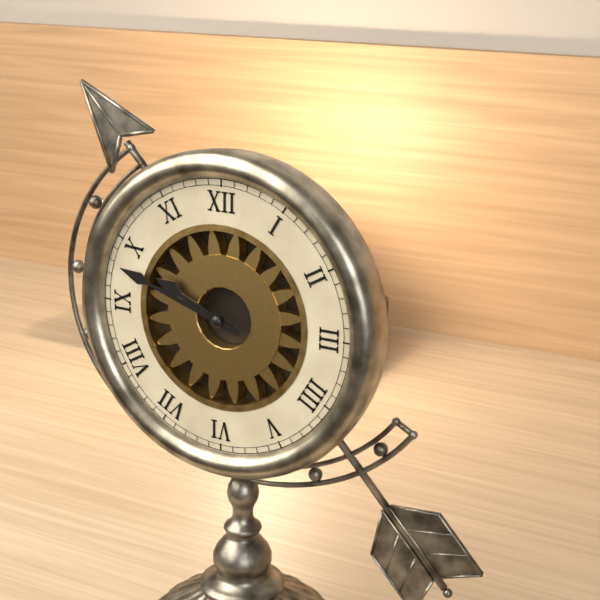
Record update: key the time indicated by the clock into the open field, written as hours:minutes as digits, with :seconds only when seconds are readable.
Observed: 9:48
